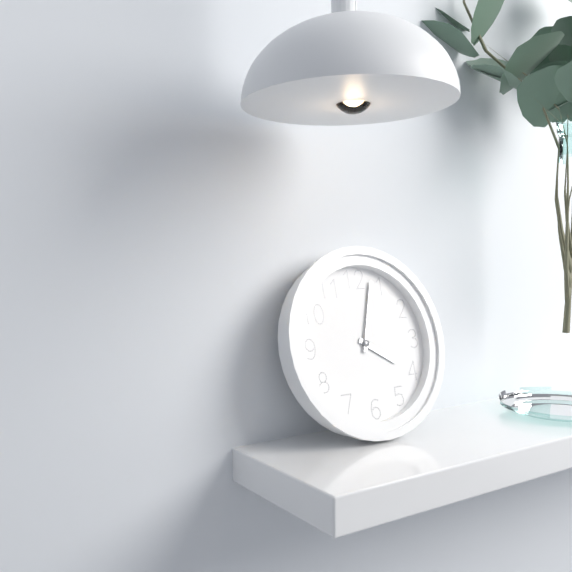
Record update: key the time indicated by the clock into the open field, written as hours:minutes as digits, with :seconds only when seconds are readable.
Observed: 4:03
